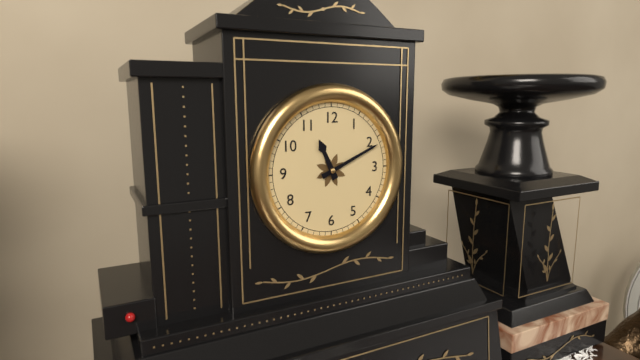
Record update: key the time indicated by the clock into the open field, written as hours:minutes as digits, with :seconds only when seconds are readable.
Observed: 11:11
